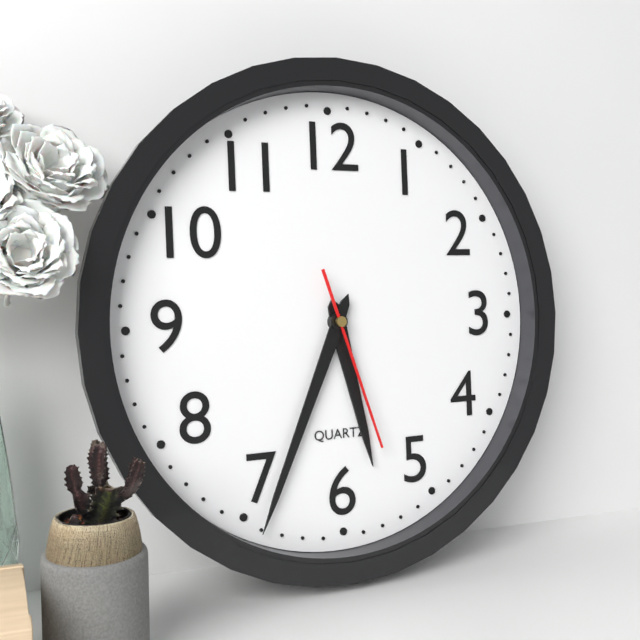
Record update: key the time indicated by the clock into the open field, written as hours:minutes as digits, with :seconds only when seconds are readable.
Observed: 5:34:27
